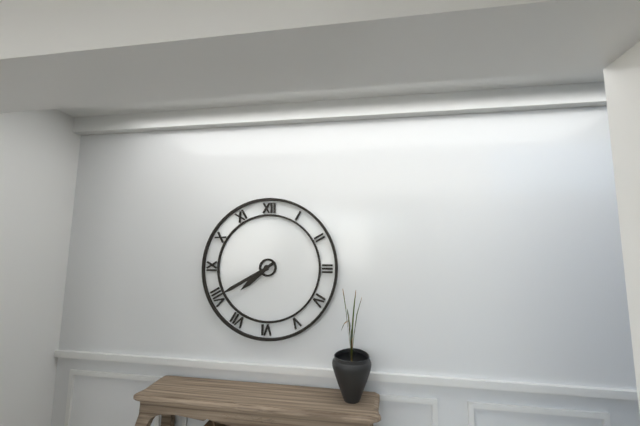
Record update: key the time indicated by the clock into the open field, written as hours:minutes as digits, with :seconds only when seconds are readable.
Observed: 7:40
